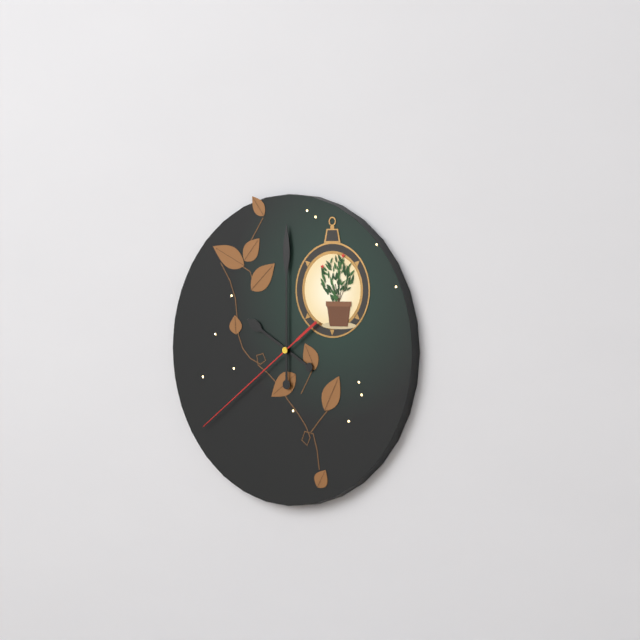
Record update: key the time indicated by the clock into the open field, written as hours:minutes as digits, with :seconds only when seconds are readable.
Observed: 10:00:39
